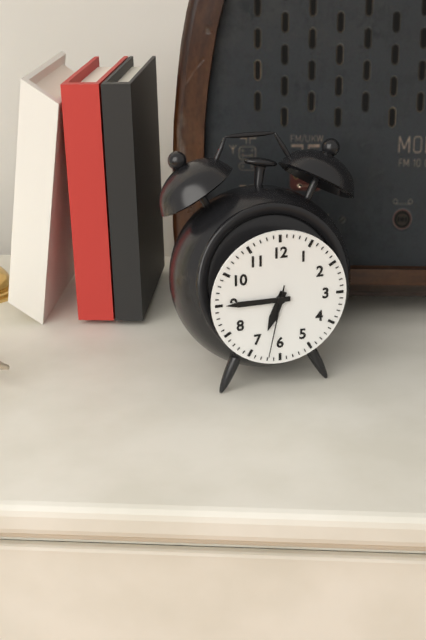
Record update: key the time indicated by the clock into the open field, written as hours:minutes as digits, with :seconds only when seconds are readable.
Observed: 6:45:32
